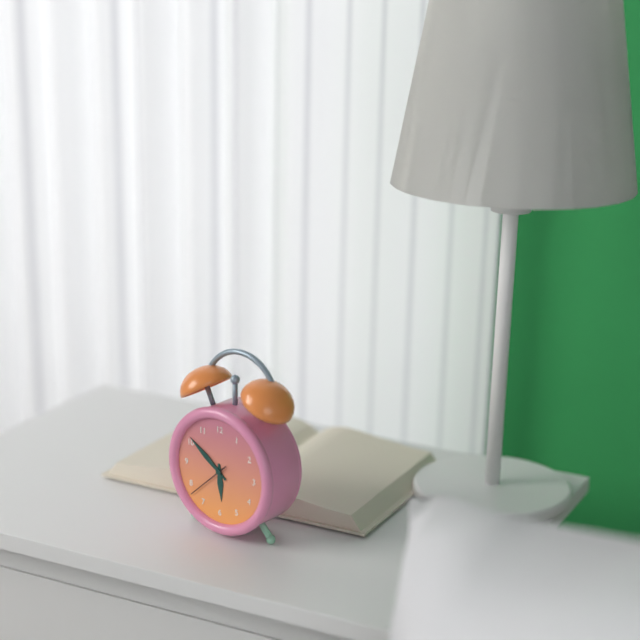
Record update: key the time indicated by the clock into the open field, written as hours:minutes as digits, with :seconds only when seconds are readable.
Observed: 5:51:38
